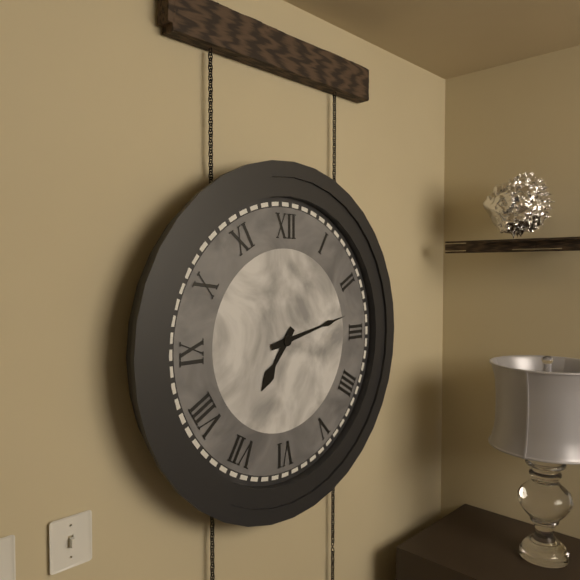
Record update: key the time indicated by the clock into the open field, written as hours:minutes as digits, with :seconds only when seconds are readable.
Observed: 7:13
